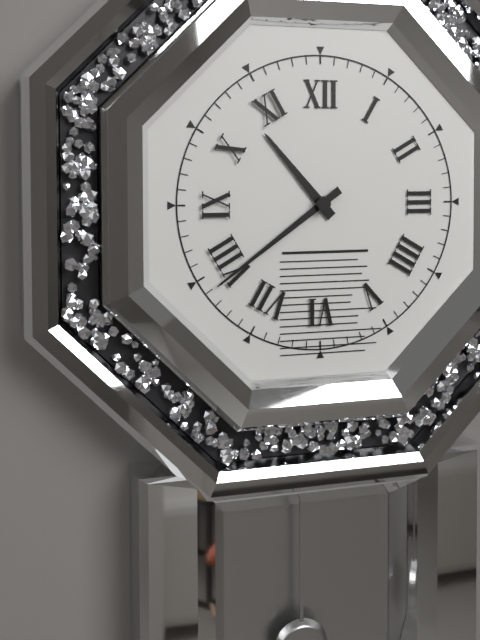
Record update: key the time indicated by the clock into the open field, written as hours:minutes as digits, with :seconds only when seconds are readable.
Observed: 10:39
